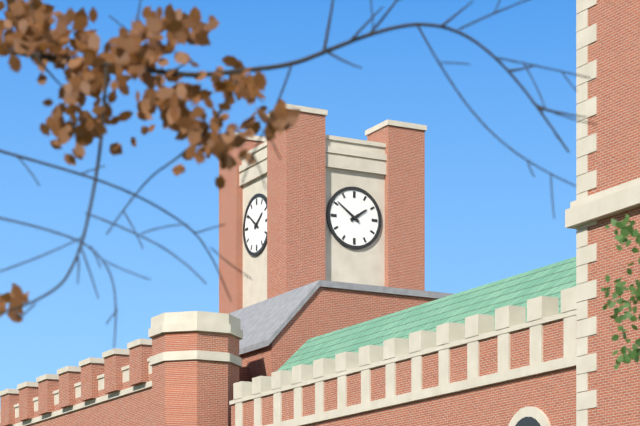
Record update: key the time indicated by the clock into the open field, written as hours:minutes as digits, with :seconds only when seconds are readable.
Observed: 1:51
